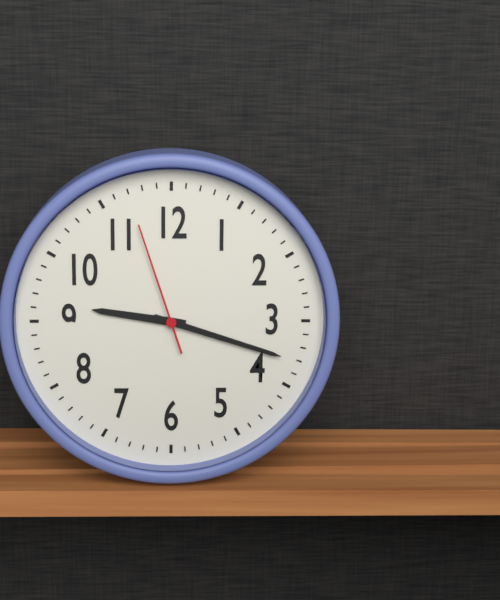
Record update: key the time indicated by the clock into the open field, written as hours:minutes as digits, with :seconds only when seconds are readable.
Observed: 9:18:57
